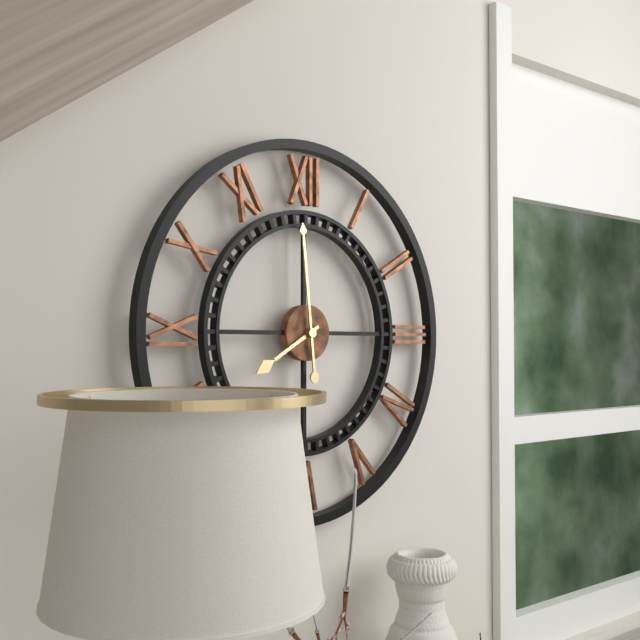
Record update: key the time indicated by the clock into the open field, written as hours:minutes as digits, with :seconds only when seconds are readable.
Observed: 7:59
